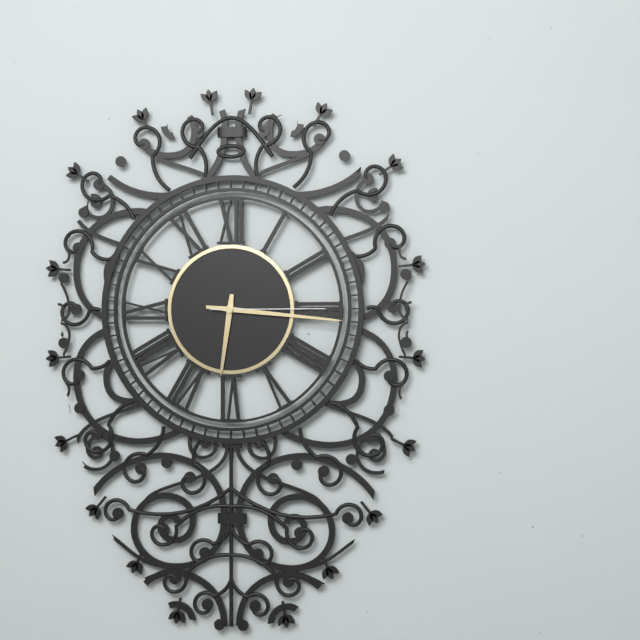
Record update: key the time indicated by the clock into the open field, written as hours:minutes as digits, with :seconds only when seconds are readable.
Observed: 6:16:15
